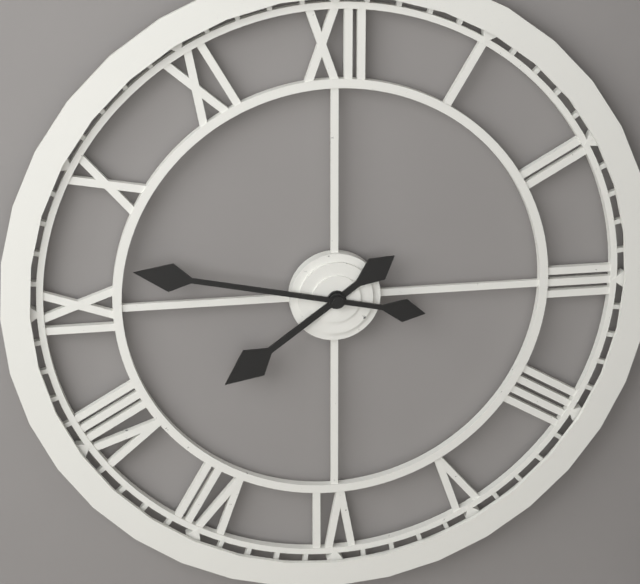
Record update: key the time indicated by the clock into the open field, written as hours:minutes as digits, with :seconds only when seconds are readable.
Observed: 7:47
